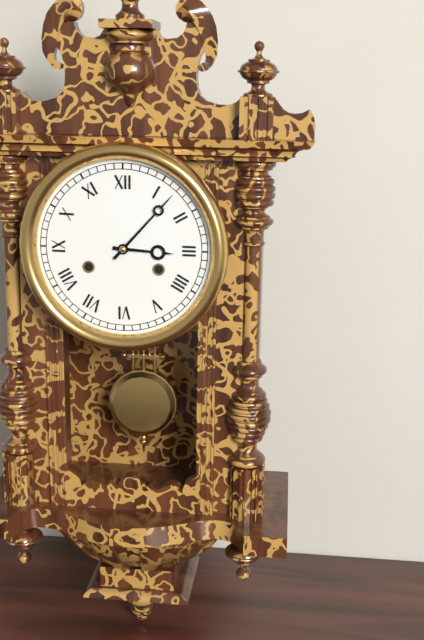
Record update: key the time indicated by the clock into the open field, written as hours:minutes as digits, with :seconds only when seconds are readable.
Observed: 3:07
